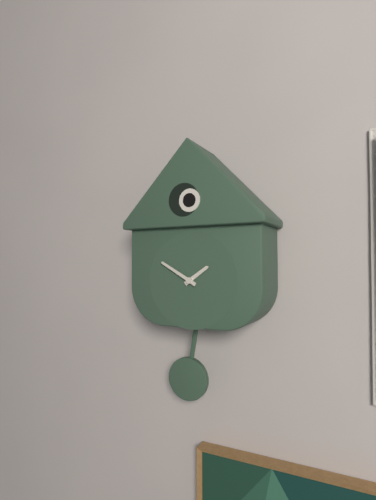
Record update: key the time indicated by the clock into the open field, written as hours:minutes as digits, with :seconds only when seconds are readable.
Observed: 1:50
